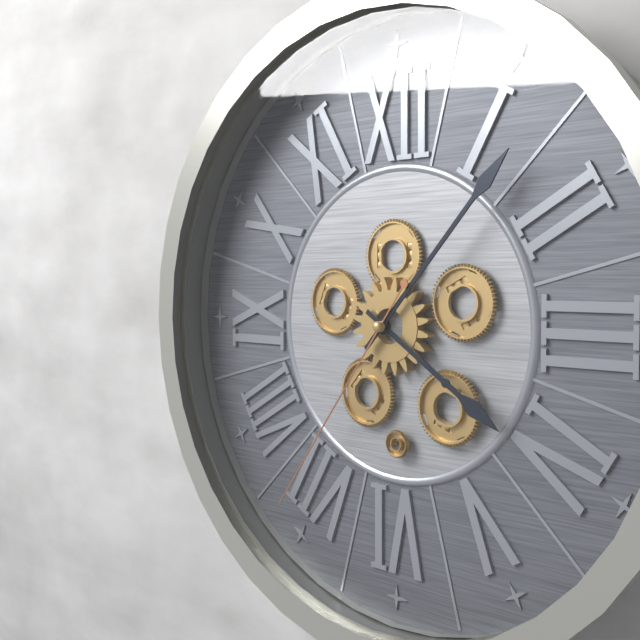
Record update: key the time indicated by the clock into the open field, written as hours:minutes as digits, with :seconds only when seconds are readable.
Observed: 4:07:36
